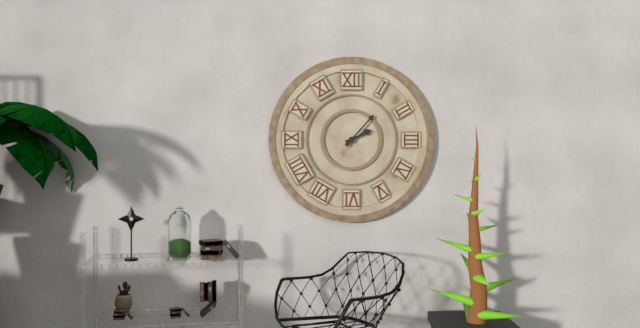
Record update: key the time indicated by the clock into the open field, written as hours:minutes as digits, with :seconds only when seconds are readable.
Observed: 2:07
